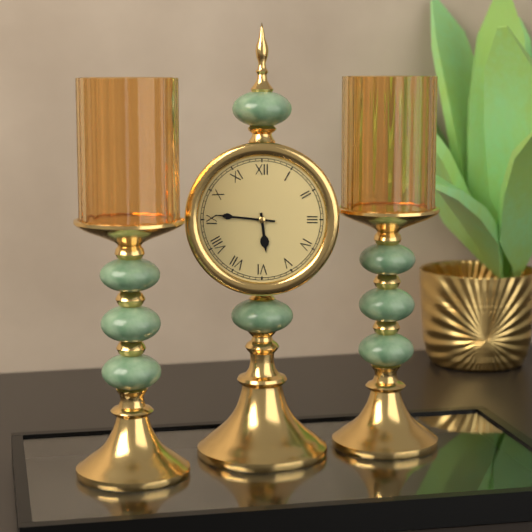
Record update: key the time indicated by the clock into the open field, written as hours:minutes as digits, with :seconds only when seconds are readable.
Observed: 5:46
